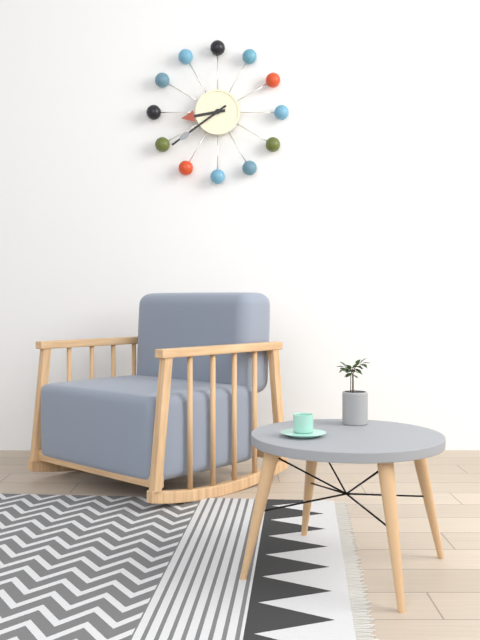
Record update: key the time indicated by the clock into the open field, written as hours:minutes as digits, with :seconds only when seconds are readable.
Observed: 8:39
